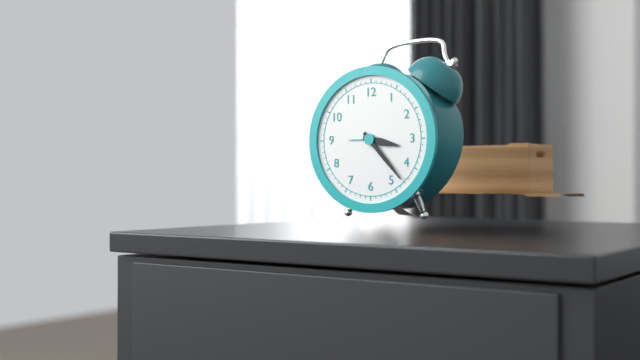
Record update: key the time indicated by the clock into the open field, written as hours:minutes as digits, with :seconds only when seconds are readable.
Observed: 3:23
